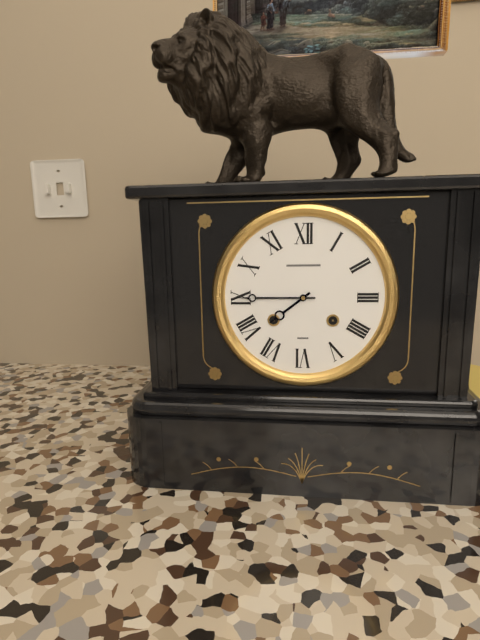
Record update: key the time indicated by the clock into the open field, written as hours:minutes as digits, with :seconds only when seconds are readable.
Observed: 7:45
